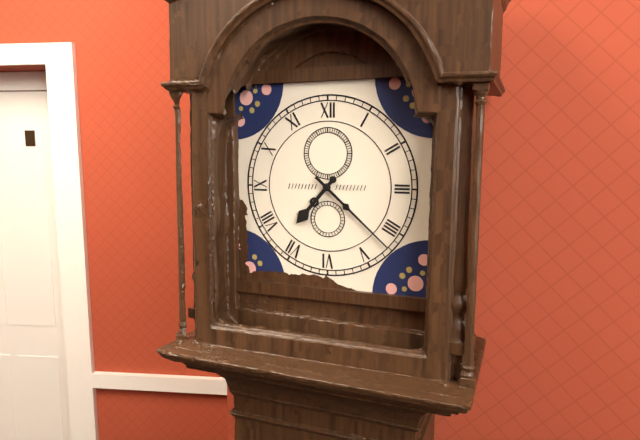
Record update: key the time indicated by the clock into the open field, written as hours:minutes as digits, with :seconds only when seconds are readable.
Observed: 7:22
